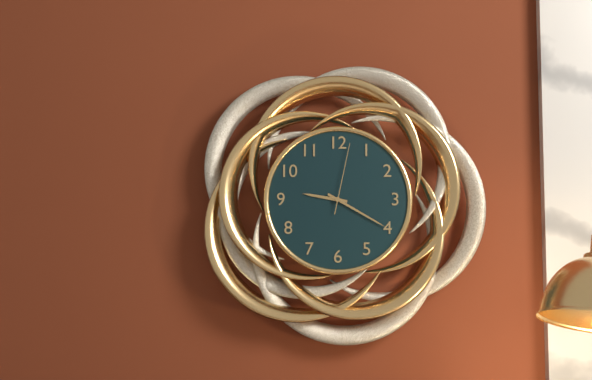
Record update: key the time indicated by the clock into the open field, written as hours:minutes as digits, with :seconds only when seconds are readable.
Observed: 9:20:02
